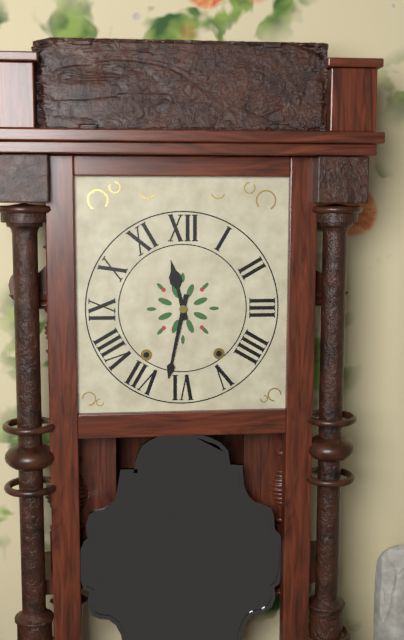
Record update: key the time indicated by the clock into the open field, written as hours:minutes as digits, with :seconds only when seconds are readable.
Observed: 11:32
